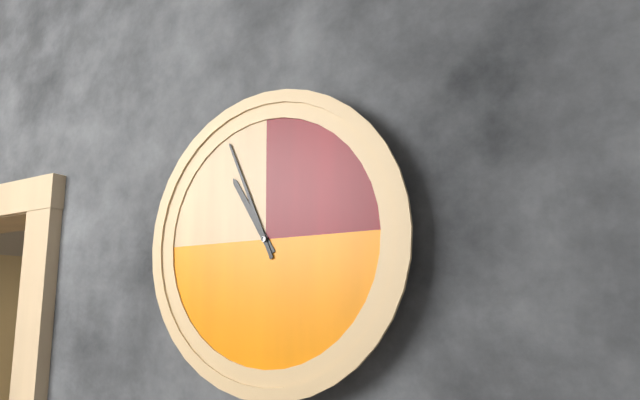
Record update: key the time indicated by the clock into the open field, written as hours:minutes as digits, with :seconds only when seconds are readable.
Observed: 10:56
